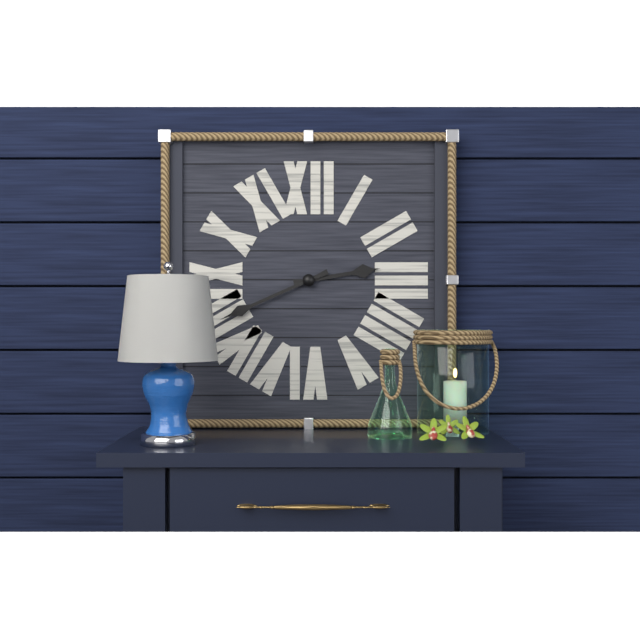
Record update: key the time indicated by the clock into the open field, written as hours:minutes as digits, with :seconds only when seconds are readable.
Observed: 2:41
